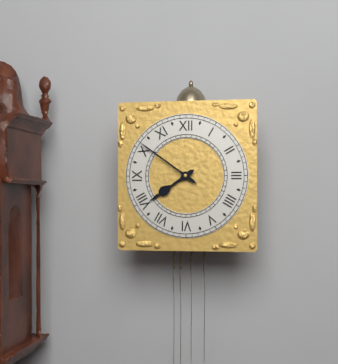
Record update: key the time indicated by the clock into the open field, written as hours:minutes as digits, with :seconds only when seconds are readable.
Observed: 7:51
